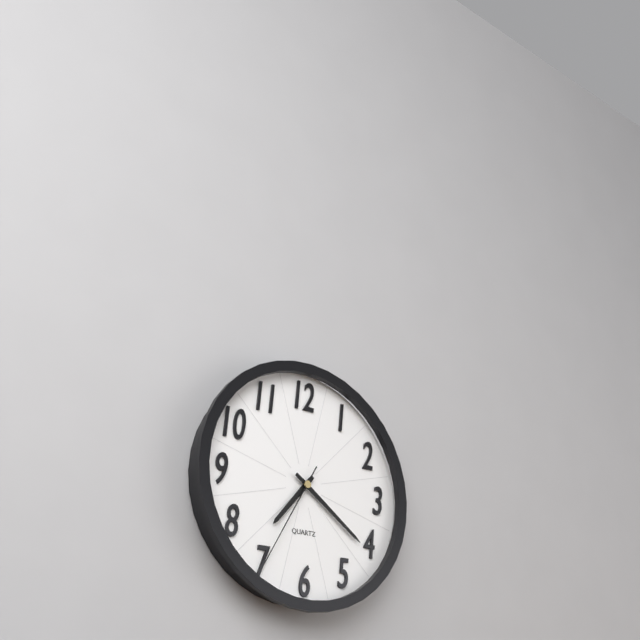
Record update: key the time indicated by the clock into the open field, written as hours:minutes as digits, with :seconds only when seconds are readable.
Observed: 7:21:35
